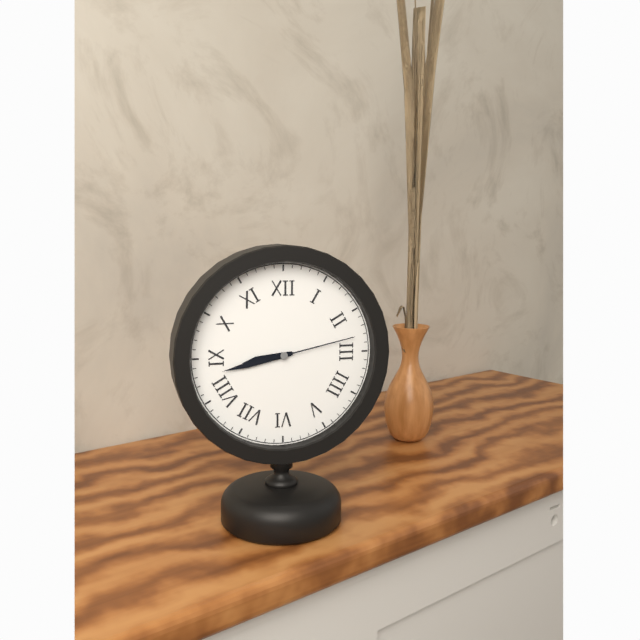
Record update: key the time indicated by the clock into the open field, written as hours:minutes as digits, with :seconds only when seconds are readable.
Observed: 8:43:13
